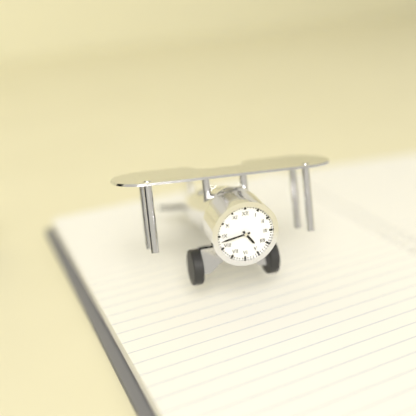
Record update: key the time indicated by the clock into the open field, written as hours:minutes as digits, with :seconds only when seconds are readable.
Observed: 4:43
